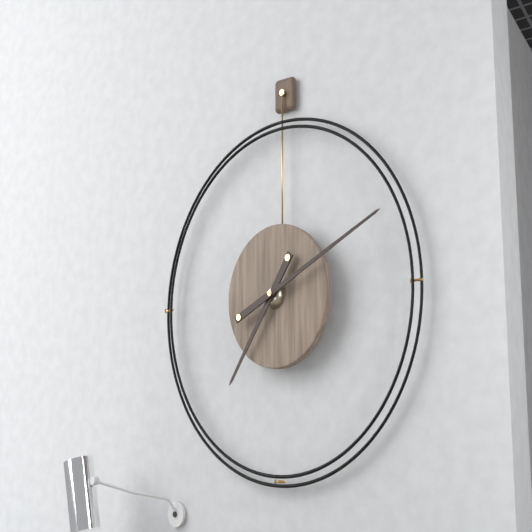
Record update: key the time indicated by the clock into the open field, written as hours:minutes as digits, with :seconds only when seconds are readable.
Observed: 7:11
